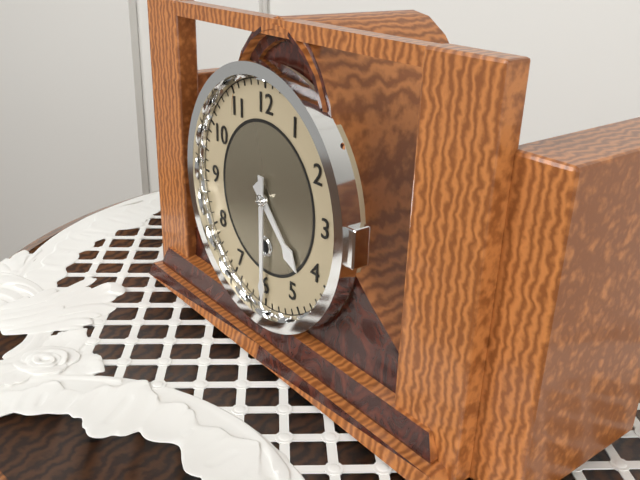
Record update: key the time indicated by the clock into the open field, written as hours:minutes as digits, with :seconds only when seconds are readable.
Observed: 4:30
